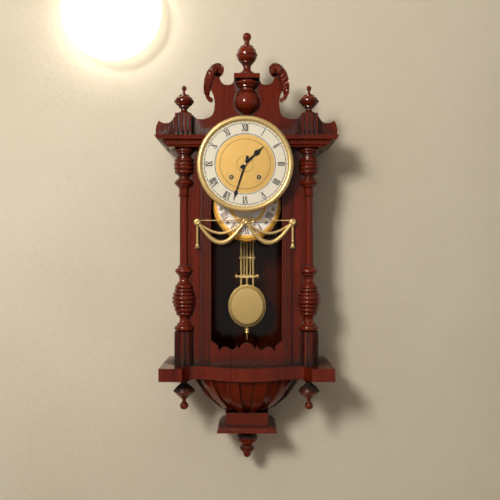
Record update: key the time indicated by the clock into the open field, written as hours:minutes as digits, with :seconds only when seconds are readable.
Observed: 1:33
